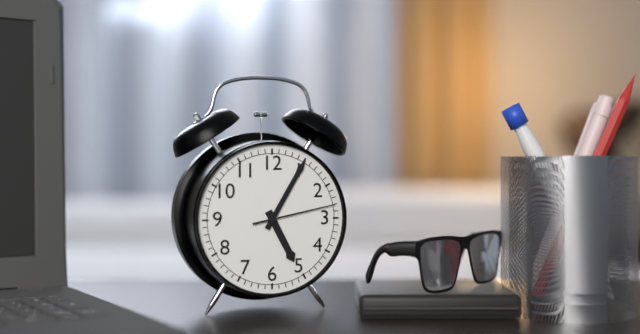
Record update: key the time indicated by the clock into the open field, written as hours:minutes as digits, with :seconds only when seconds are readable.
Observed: 5:05:13
